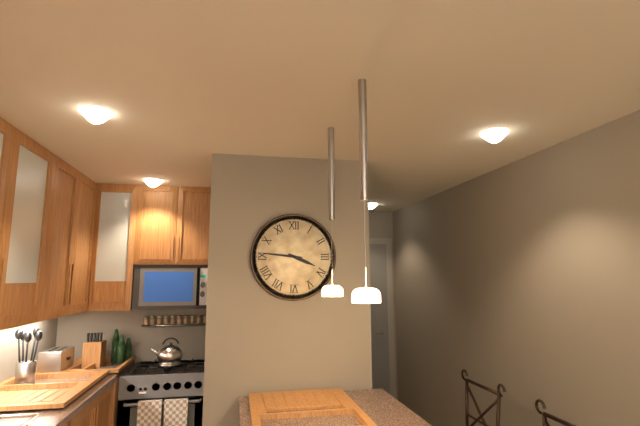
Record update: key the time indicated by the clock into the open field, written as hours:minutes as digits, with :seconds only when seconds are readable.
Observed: 3:46
